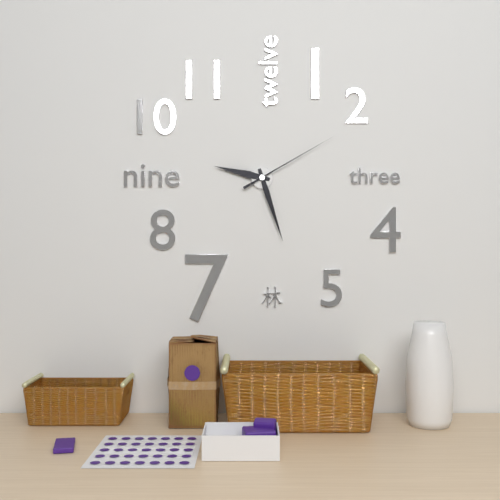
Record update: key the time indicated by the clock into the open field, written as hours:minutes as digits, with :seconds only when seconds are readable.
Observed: 9:27:10
